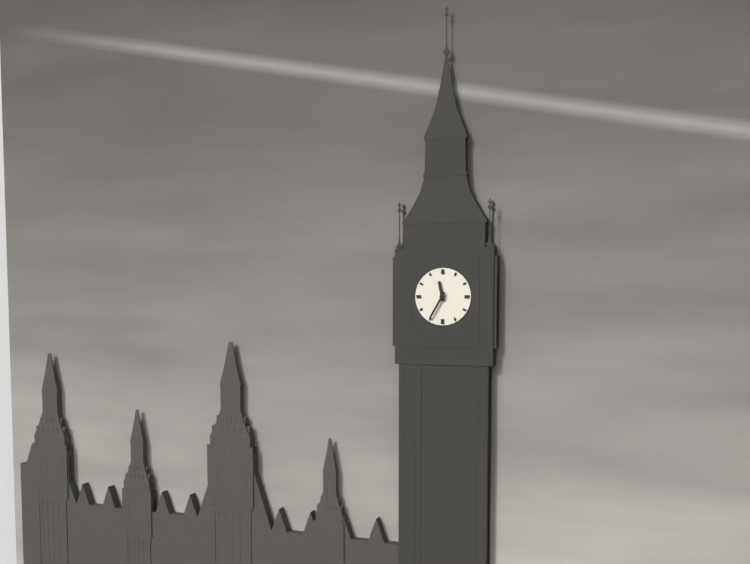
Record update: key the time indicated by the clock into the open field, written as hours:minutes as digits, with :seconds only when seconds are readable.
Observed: 11:35
